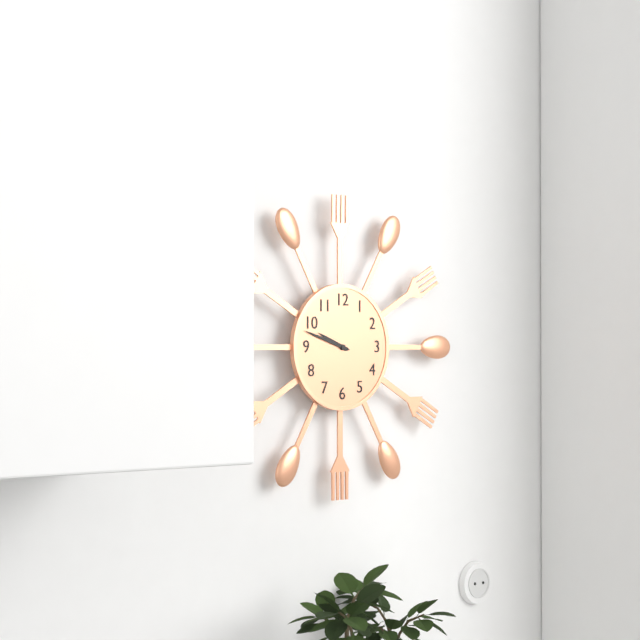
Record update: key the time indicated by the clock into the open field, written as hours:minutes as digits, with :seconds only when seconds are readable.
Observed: 9:48
